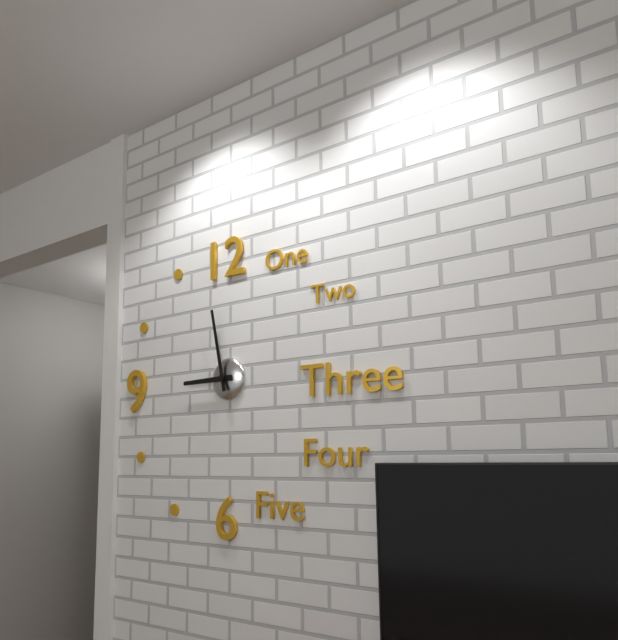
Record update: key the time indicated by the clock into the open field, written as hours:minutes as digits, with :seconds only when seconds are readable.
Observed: 8:58
